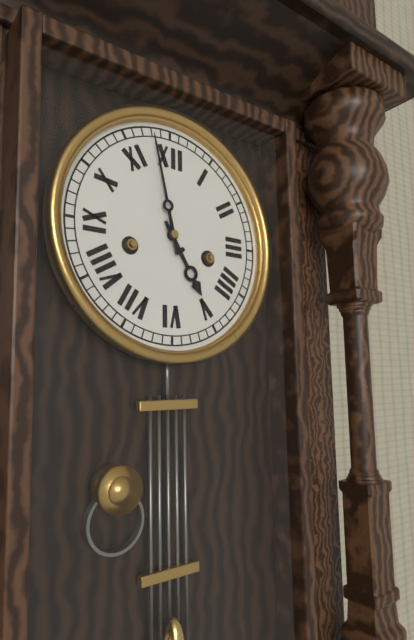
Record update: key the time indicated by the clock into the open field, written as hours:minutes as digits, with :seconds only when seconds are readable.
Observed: 4:58
